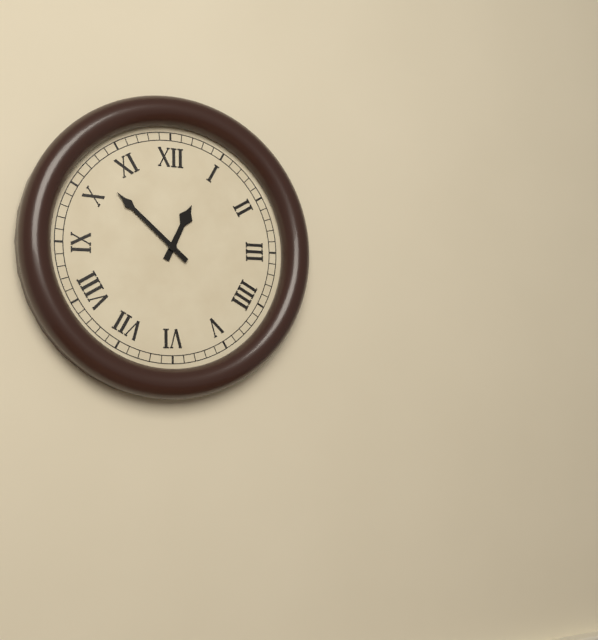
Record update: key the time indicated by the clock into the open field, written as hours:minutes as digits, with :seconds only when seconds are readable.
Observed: 12:52
